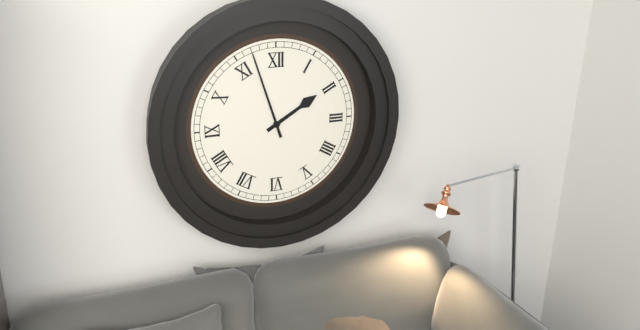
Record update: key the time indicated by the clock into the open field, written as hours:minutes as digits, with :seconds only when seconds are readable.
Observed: 1:57
